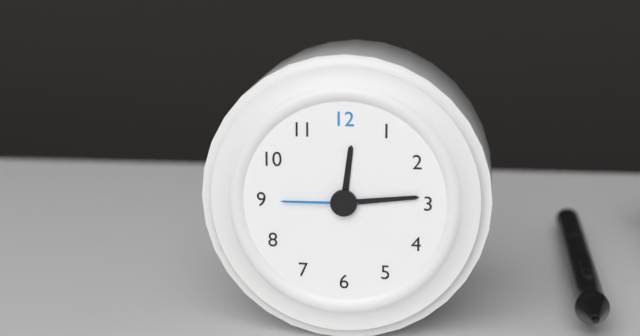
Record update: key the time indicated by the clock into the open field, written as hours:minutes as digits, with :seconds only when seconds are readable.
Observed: 12:14:45
